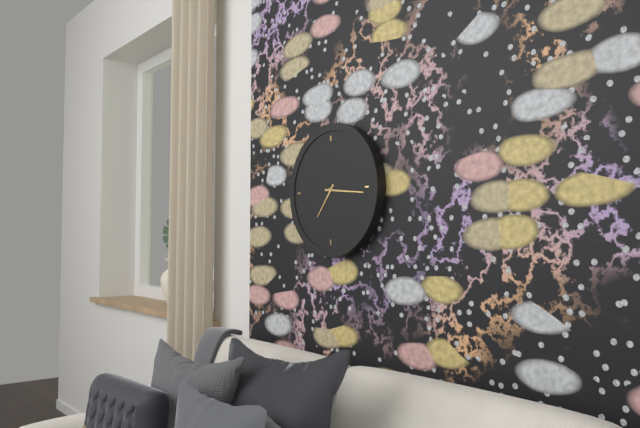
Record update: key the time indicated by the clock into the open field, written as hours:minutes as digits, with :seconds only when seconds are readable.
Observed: 7:16
